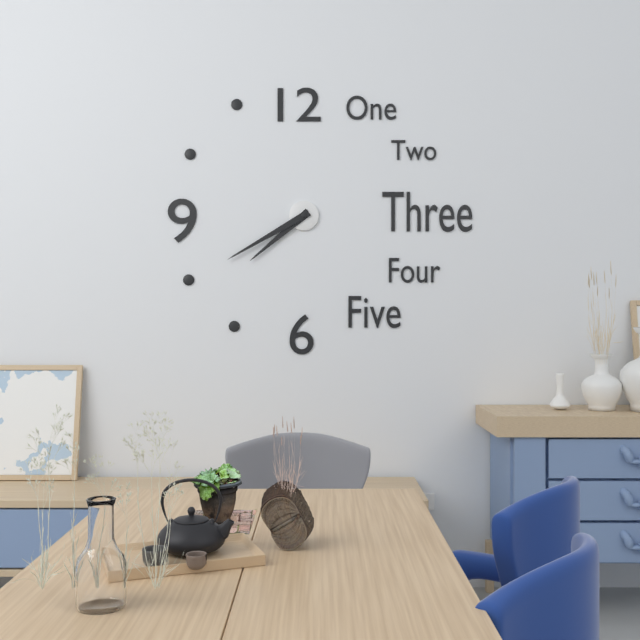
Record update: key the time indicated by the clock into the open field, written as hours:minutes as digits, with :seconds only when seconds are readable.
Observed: 7:40
